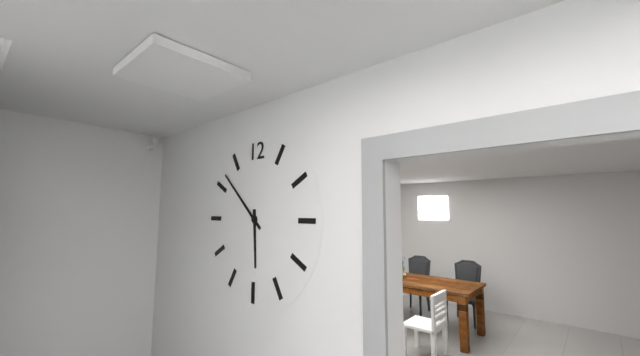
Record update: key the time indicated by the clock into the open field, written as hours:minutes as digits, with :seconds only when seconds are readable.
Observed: 5:52
